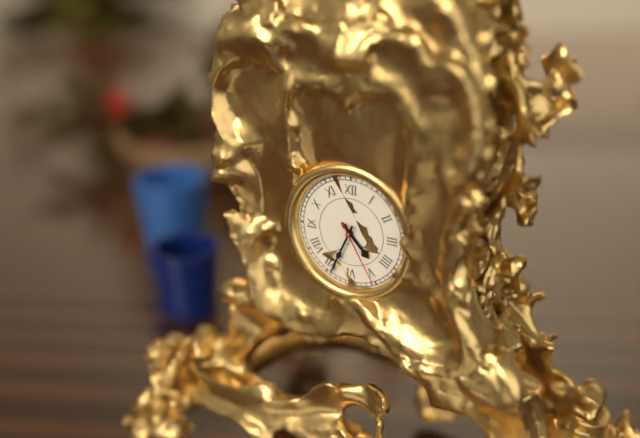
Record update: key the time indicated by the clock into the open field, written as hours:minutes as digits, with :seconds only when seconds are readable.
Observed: 4:34:25
